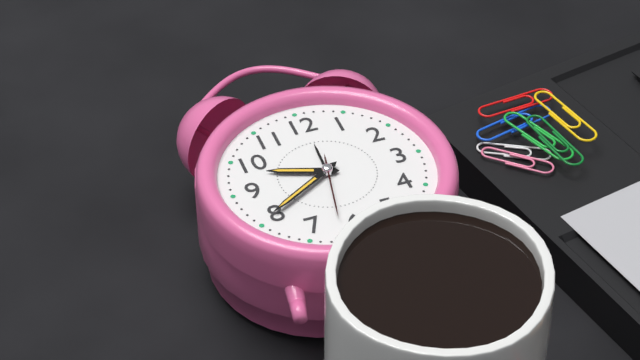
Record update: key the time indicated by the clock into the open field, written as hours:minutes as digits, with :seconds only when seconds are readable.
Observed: 9:40:32
